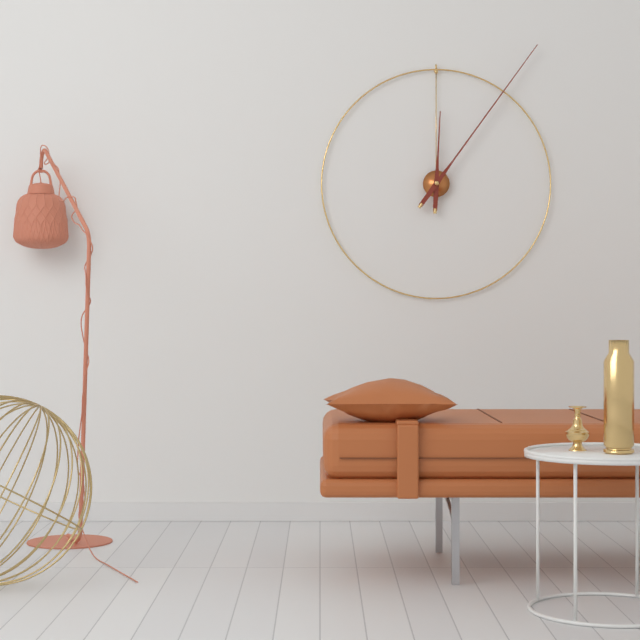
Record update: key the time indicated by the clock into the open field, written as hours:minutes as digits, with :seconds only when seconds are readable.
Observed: 12:06
